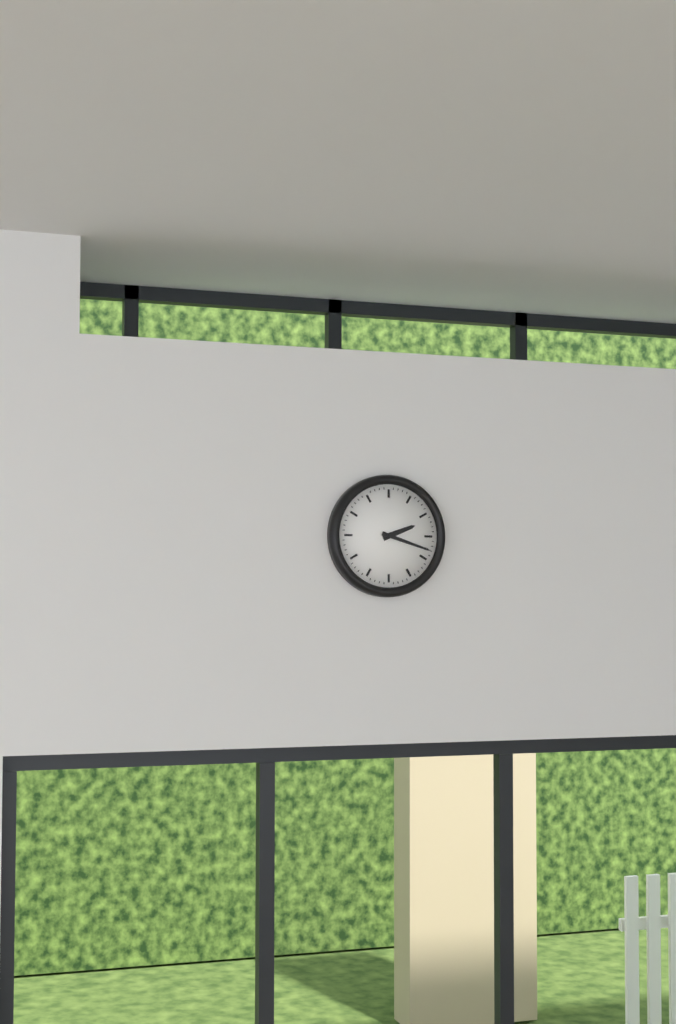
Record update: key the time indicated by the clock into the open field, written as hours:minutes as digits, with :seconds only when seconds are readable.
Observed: 2:18
